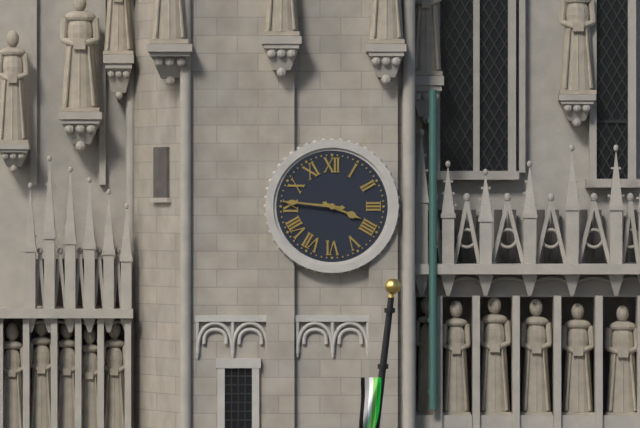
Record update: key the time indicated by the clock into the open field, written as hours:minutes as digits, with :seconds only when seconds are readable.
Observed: 3:46
